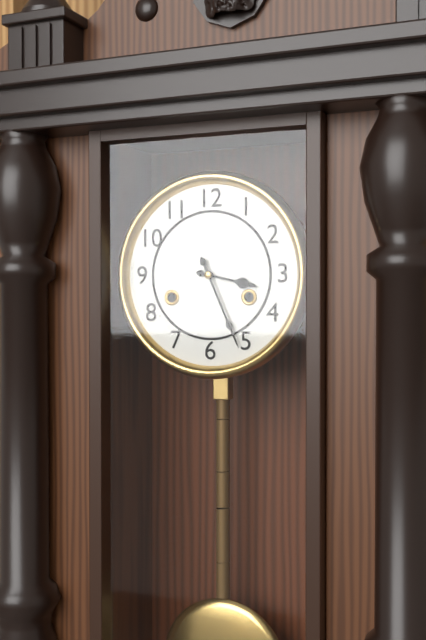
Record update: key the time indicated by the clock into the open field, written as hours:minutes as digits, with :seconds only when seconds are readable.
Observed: 3:26
